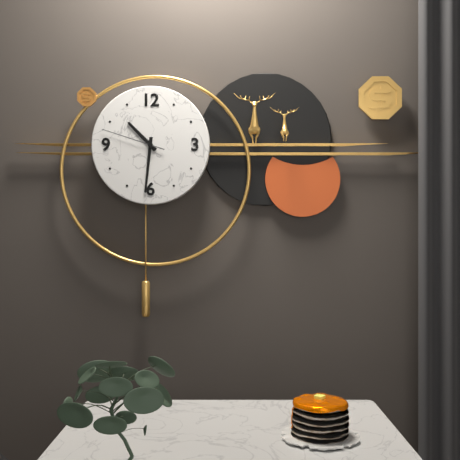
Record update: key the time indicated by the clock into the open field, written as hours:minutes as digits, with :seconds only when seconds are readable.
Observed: 10:31:48
